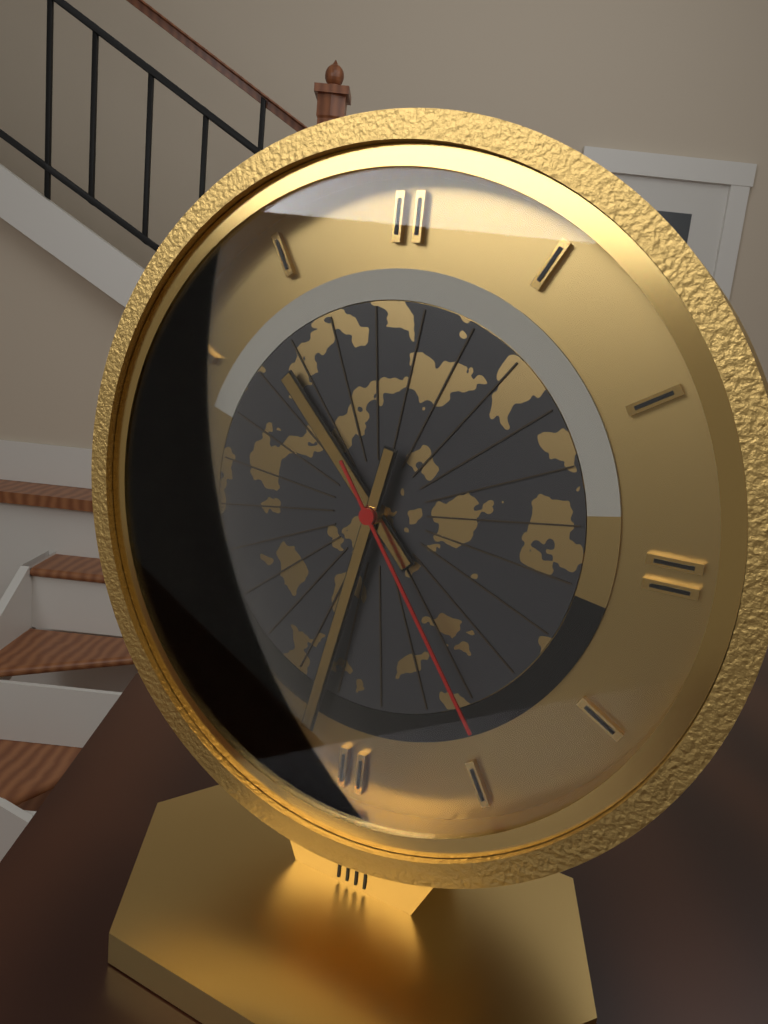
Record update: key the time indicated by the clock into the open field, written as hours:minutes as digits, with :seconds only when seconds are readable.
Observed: 10:32:24
